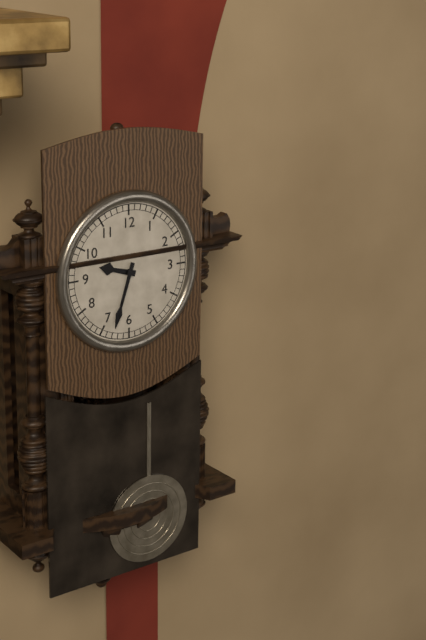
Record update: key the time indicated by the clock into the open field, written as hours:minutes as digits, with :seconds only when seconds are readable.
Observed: 9:33
